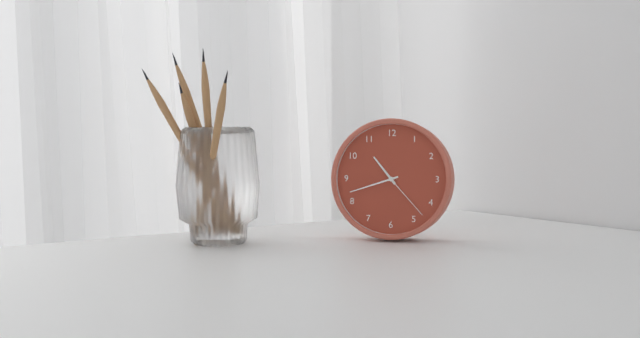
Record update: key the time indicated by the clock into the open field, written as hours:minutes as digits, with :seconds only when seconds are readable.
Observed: 10:42:23
